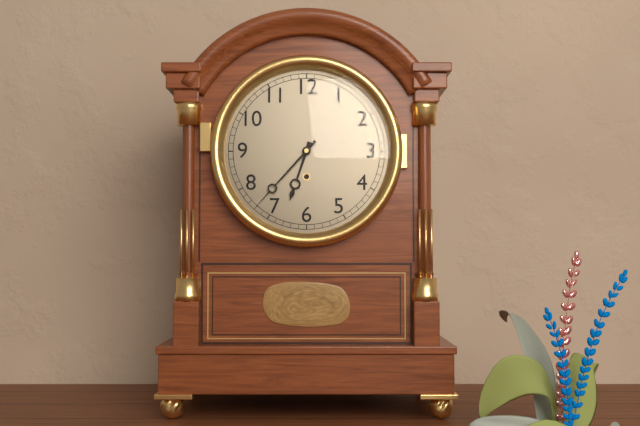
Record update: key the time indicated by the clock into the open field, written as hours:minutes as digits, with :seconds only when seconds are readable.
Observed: 6:37
